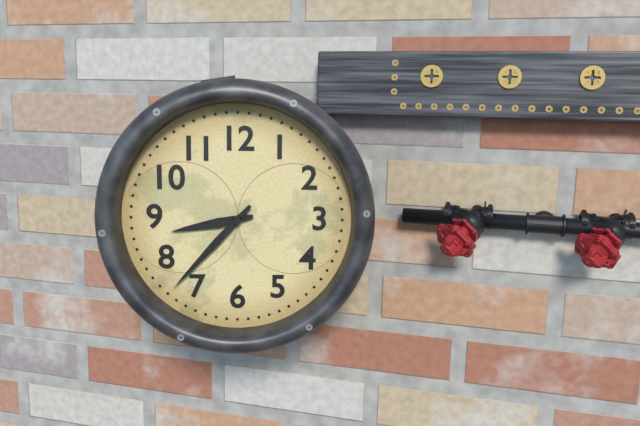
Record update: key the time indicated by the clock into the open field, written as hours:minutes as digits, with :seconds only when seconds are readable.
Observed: 8:37
